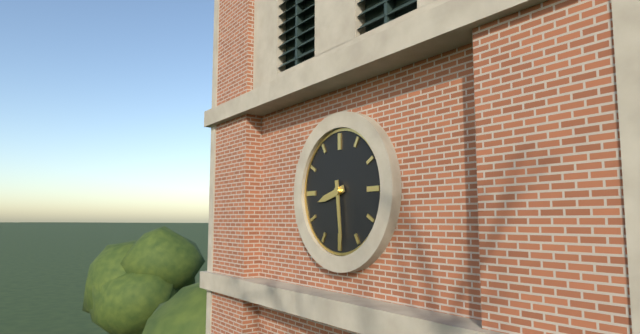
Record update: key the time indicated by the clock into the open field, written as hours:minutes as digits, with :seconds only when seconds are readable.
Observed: 8:29
